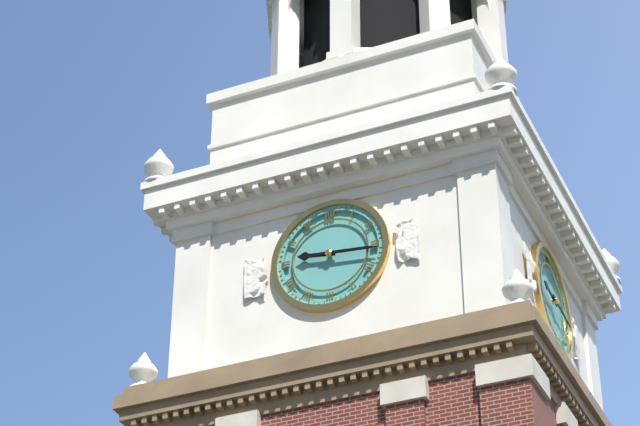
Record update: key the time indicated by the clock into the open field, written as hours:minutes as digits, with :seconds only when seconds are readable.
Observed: 9:16
